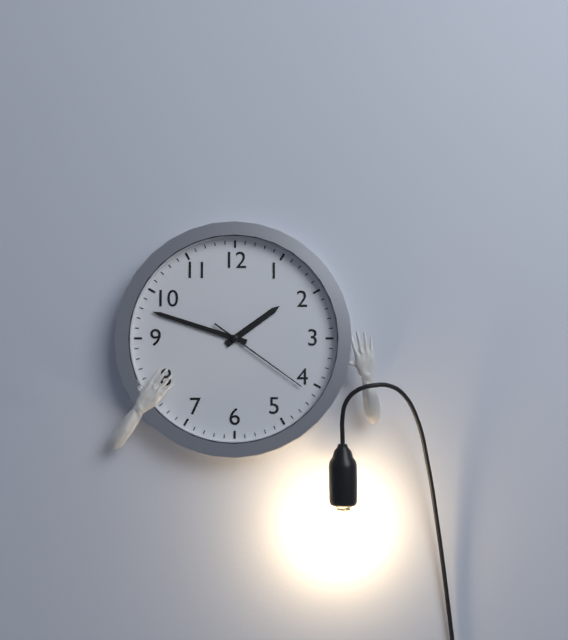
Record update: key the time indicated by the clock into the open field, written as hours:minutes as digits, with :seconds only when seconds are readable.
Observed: 1:48:21
